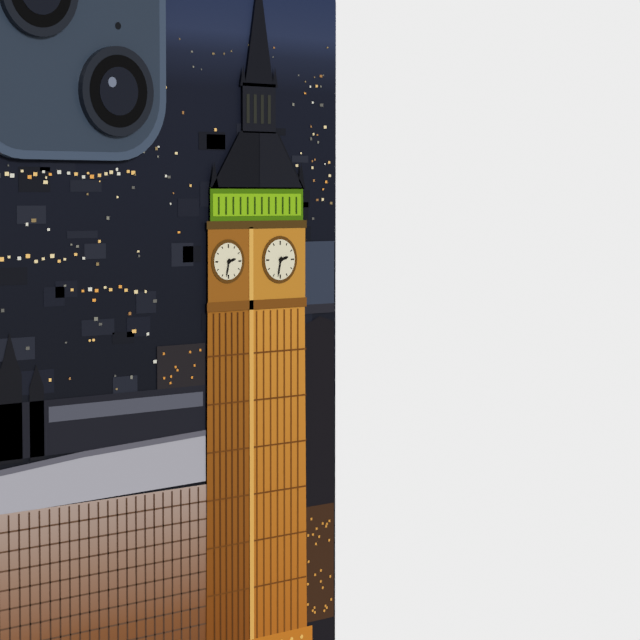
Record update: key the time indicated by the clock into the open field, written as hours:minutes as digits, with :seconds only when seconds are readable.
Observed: 2:32
